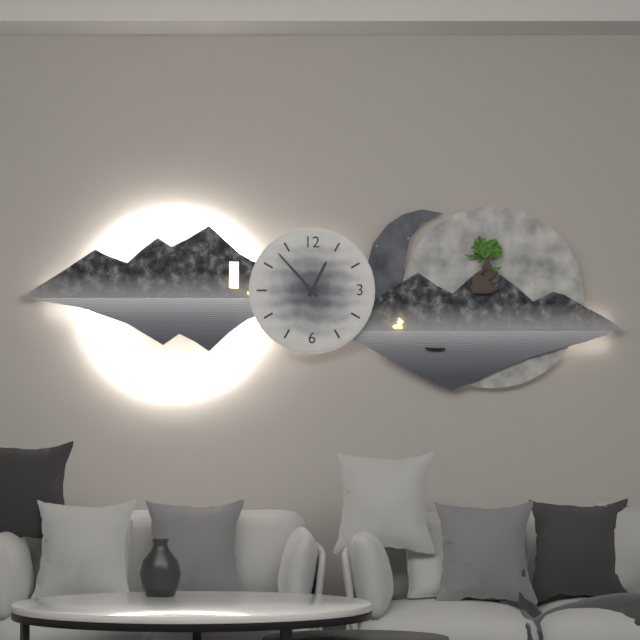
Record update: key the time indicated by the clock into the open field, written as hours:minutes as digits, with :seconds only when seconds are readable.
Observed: 12:53
